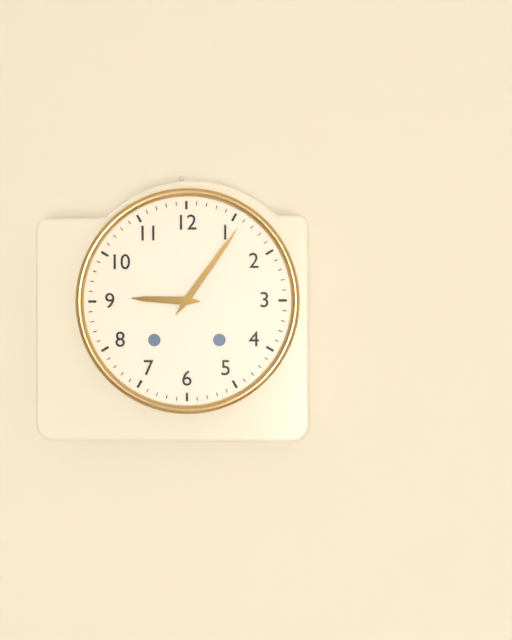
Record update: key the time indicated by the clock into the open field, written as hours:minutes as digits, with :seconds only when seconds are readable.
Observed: 9:06
